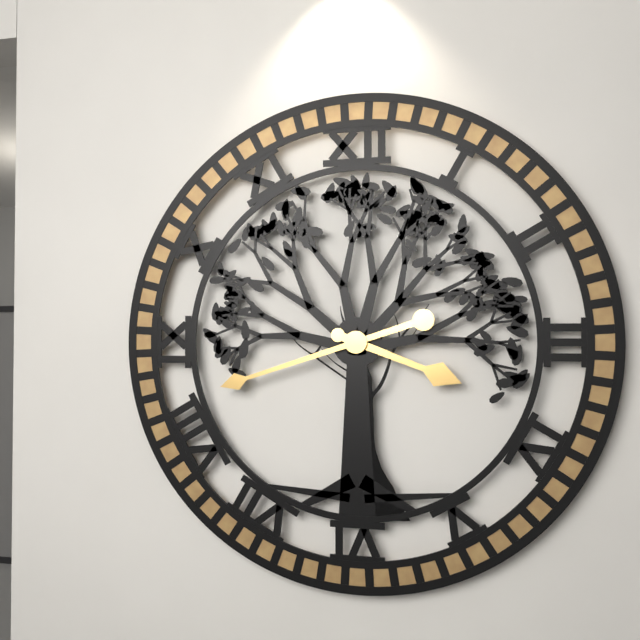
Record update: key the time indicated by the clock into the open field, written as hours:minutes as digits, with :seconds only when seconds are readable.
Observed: 3:42
